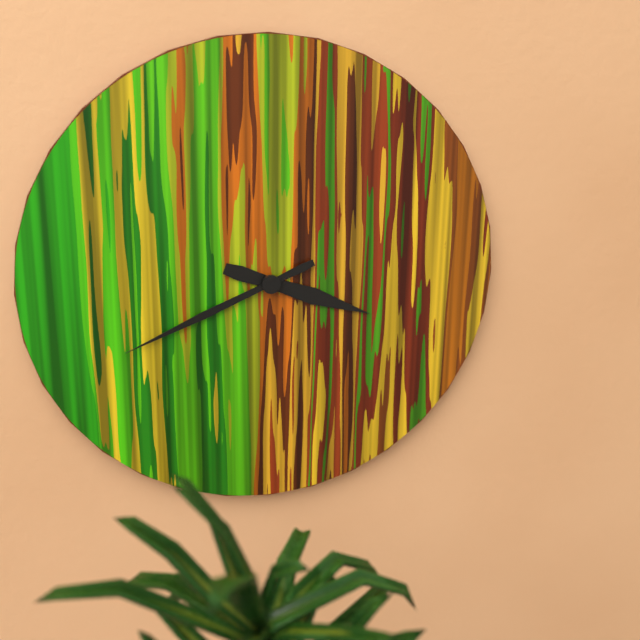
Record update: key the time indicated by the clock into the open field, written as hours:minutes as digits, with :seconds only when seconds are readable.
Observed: 3:41
